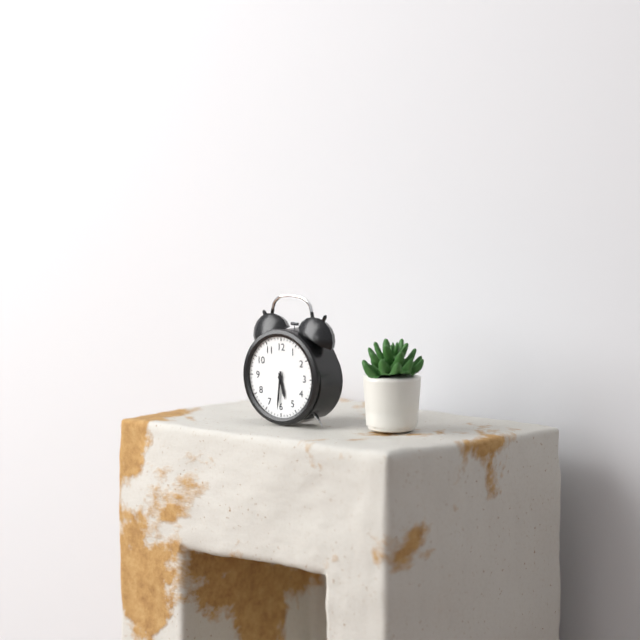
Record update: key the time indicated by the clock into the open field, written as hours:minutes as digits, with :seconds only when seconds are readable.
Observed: 5:31
